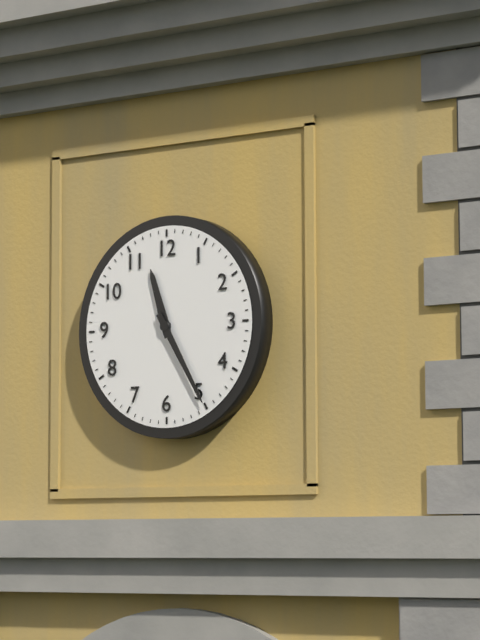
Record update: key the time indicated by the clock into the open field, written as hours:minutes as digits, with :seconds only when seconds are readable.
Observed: 11:25
